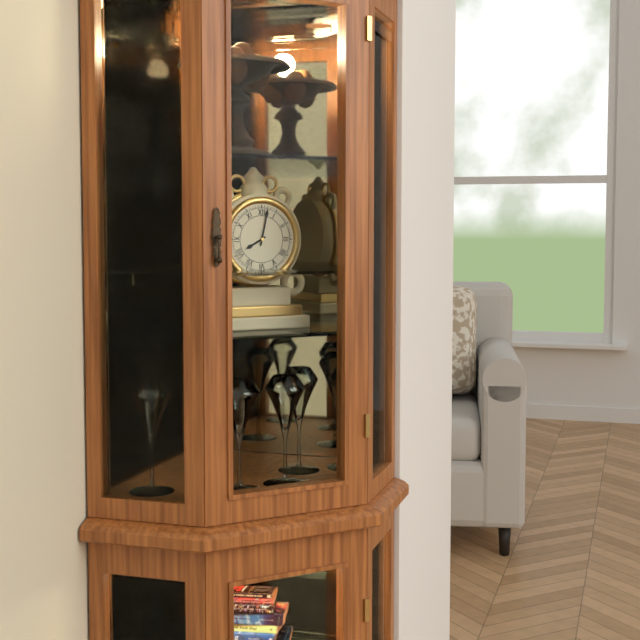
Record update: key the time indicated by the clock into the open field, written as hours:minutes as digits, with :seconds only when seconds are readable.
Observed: 8:02
